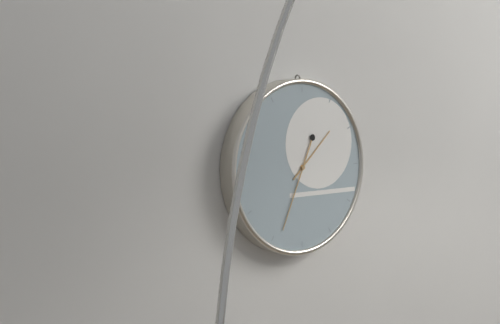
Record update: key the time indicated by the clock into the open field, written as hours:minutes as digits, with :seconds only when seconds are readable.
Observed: 1:34
